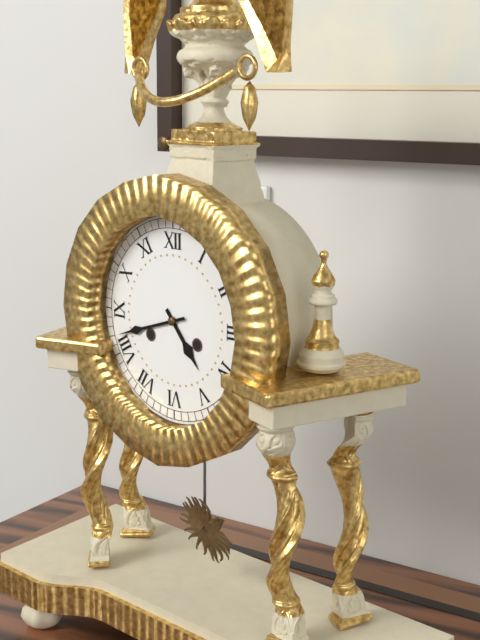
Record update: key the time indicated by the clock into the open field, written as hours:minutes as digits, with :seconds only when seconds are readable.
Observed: 4:42
